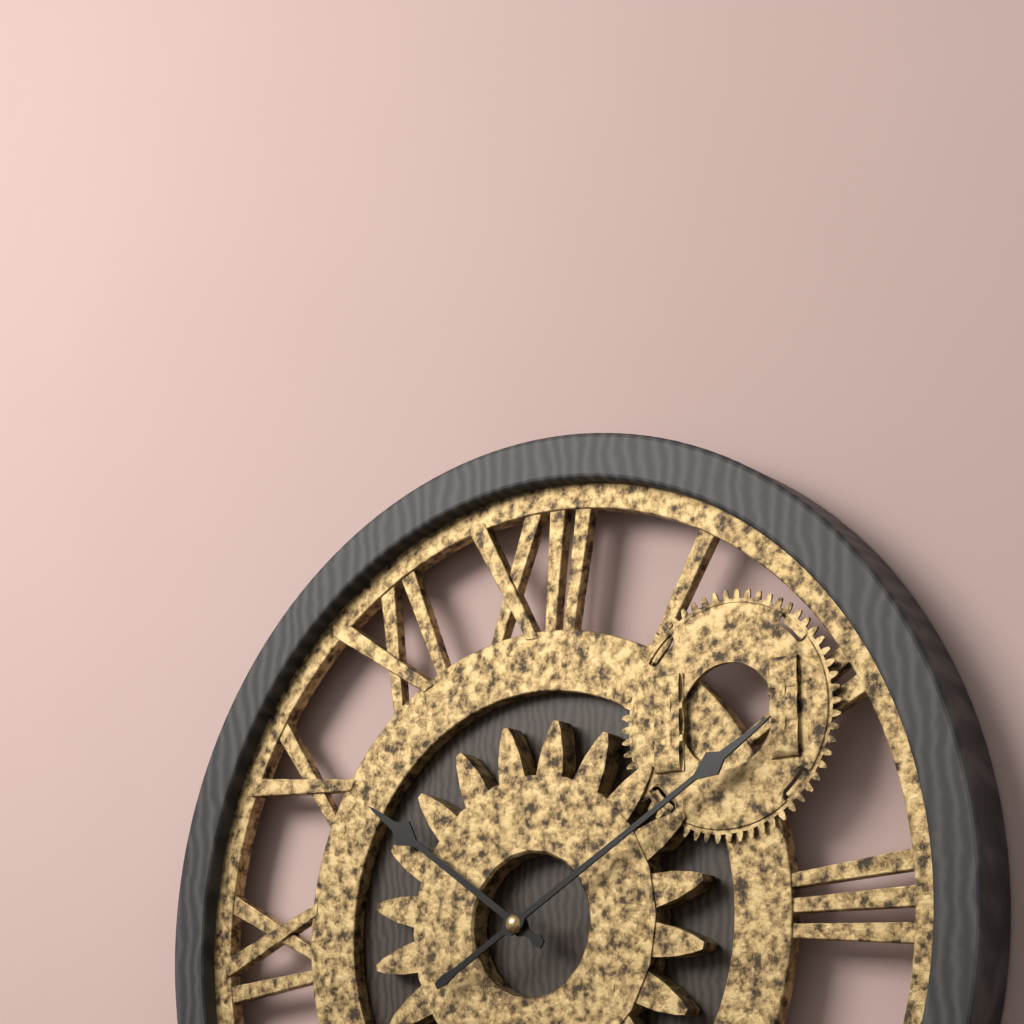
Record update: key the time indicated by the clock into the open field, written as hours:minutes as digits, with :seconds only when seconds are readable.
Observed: 10:10
